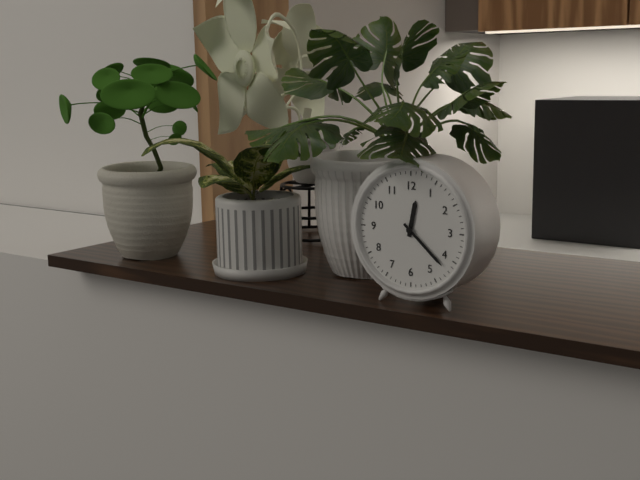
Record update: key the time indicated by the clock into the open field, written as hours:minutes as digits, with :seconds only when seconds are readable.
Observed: 12:22
